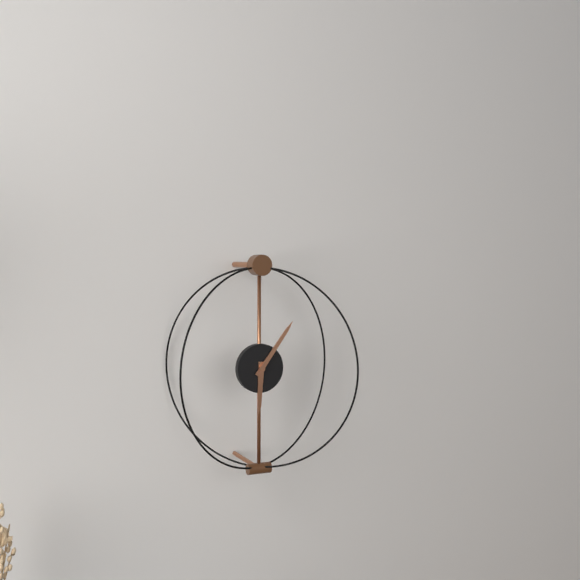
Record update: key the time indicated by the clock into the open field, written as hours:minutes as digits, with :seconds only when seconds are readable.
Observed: 6:06
